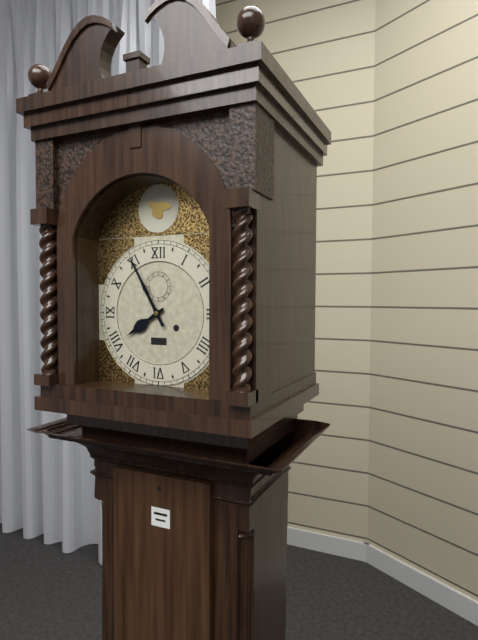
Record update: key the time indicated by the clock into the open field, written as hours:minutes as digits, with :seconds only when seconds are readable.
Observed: 7:55
